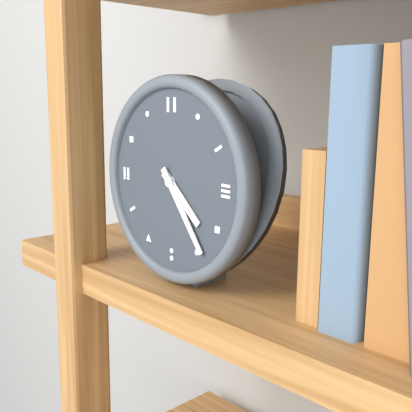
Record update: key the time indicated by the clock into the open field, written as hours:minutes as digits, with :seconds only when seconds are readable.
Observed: 4:24
